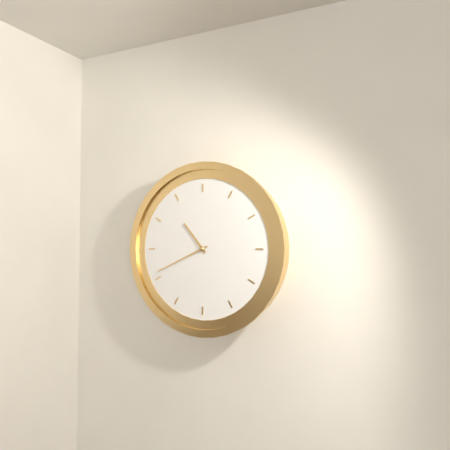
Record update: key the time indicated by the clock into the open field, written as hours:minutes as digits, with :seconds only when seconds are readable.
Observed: 10:41
